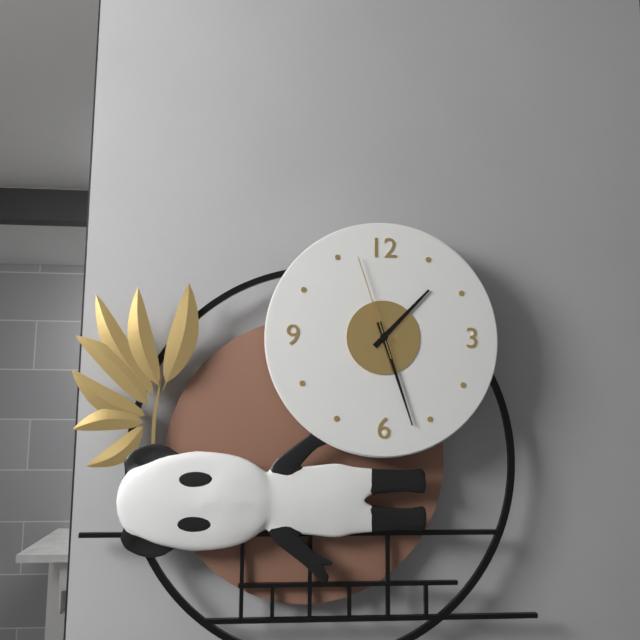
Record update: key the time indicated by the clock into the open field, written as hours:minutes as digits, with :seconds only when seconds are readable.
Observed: 1:27:57
